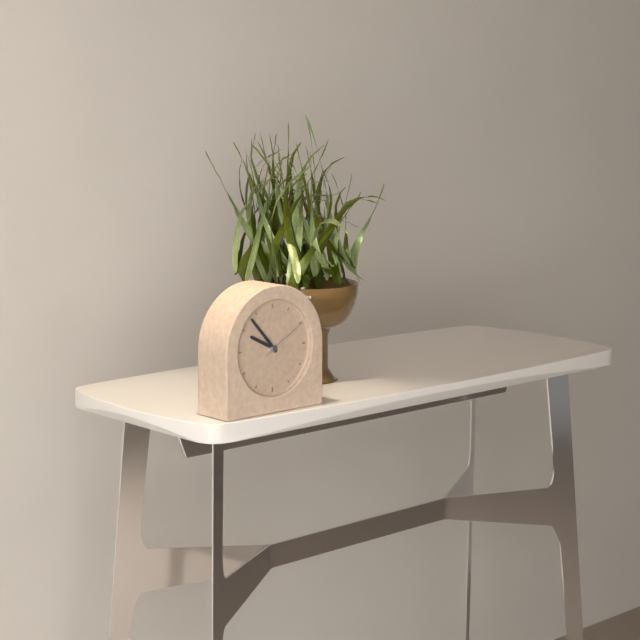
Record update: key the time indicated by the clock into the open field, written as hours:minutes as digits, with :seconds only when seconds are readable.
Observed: 9:53:10
